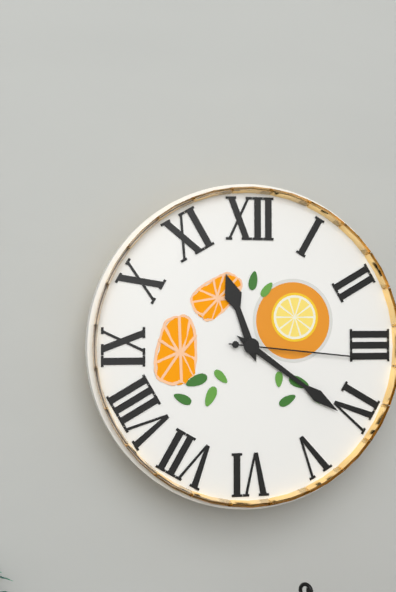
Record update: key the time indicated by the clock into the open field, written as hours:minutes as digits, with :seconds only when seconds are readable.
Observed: 11:21:16
